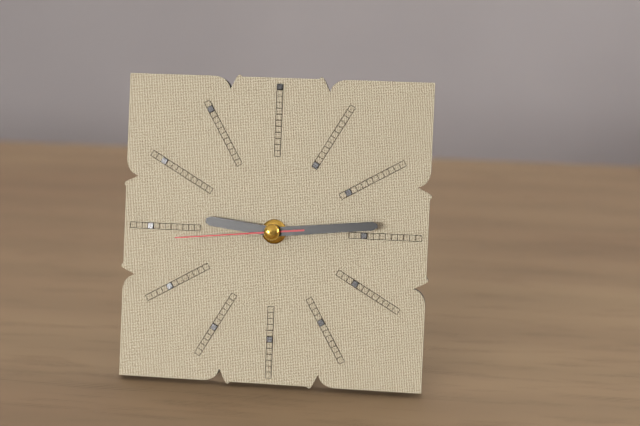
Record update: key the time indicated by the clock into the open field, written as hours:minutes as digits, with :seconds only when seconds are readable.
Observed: 9:14:44
